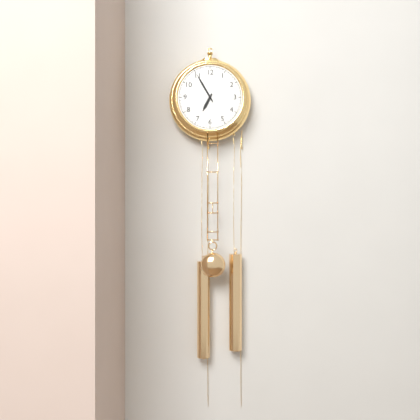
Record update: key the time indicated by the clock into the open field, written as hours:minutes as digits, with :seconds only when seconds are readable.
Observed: 6:55
